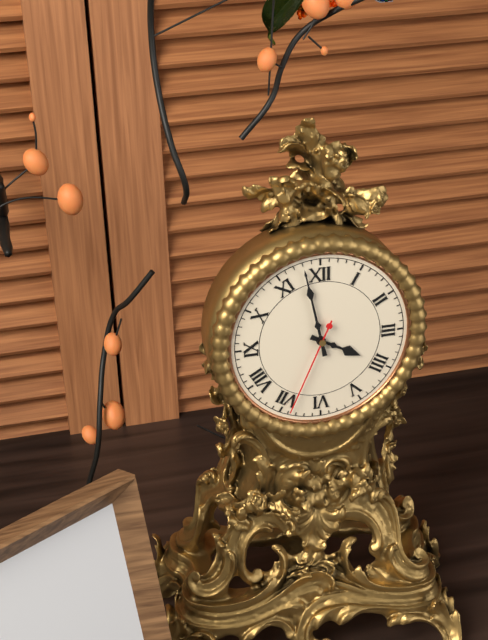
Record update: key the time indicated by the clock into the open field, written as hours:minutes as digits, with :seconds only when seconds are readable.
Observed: 3:58:34
